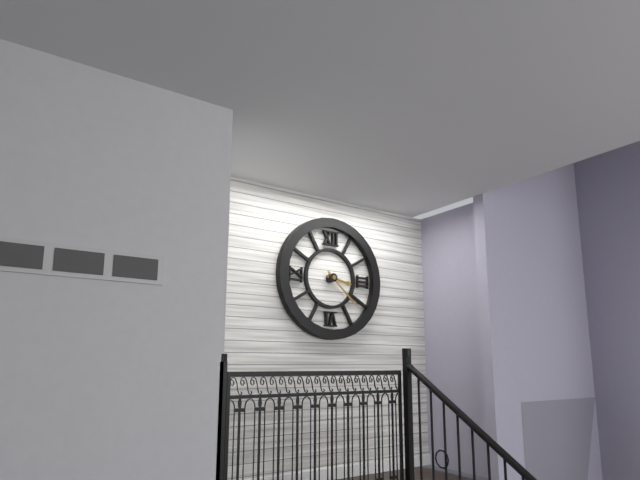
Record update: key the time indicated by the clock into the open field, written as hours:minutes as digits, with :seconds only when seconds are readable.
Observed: 3:22
